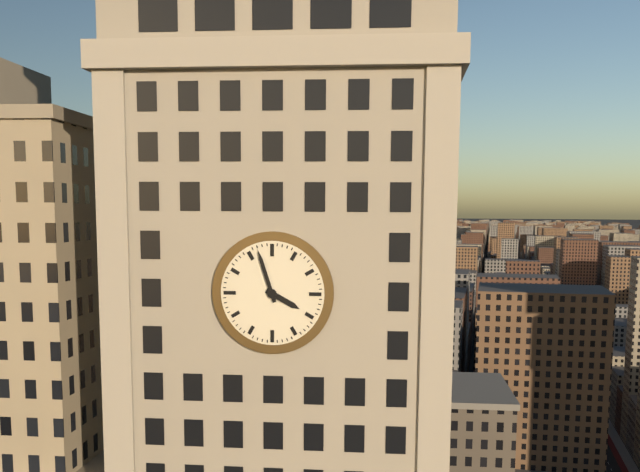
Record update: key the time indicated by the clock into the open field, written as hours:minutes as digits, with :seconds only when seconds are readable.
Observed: 3:57
